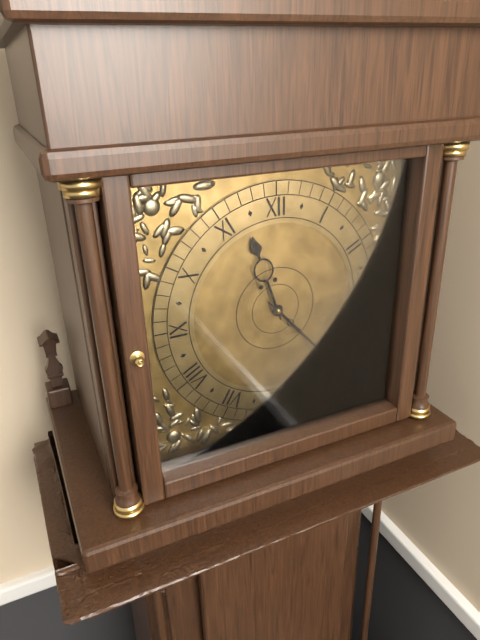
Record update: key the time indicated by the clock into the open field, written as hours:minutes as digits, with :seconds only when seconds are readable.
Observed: 11:23
